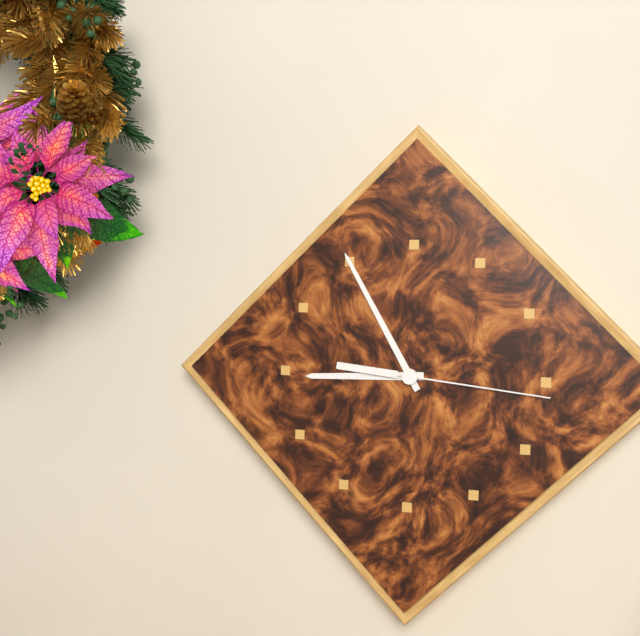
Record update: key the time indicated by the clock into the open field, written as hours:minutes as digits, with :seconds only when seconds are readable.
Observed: 8:55:16
